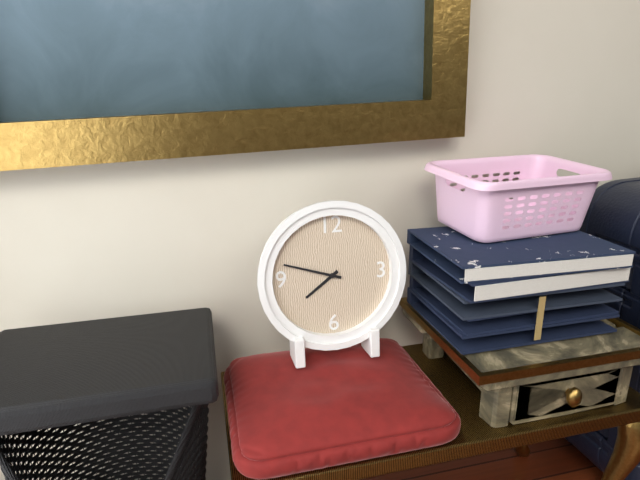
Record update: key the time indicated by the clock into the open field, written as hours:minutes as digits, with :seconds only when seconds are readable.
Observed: 7:48
